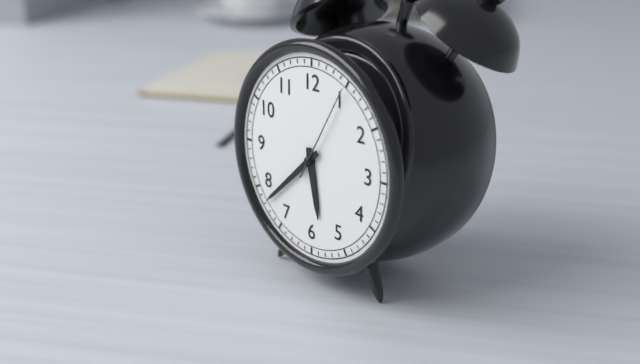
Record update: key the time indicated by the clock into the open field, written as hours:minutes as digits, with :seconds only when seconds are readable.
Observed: 5:38:05
